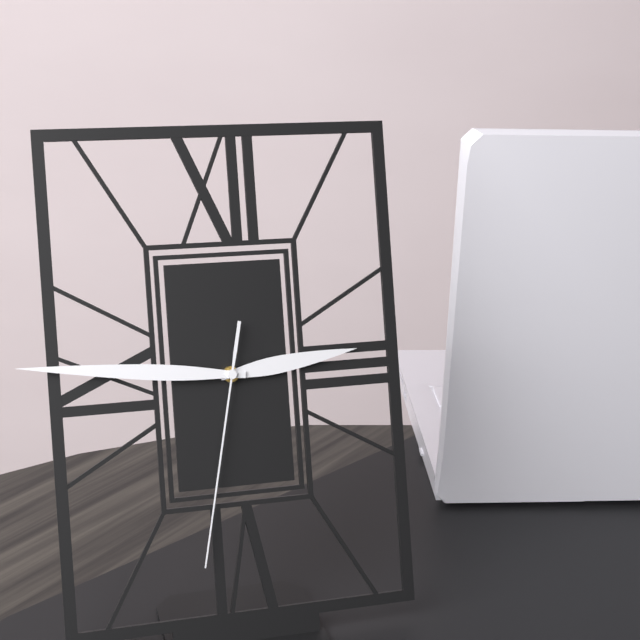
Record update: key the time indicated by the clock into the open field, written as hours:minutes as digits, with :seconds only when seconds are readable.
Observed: 2:46:32
